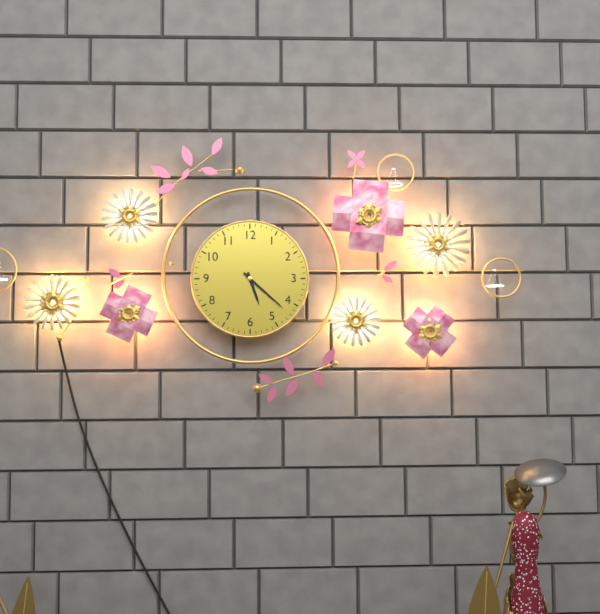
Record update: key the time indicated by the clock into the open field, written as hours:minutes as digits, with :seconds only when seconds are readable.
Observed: 5:22
